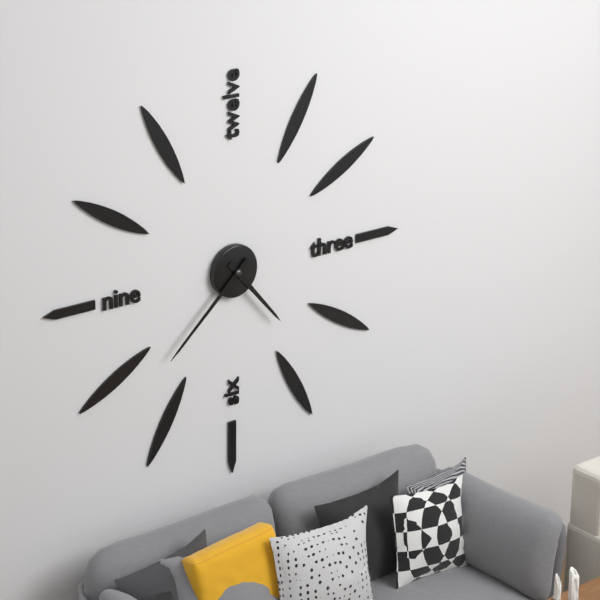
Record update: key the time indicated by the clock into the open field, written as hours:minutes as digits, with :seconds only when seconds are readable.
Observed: 4:38
